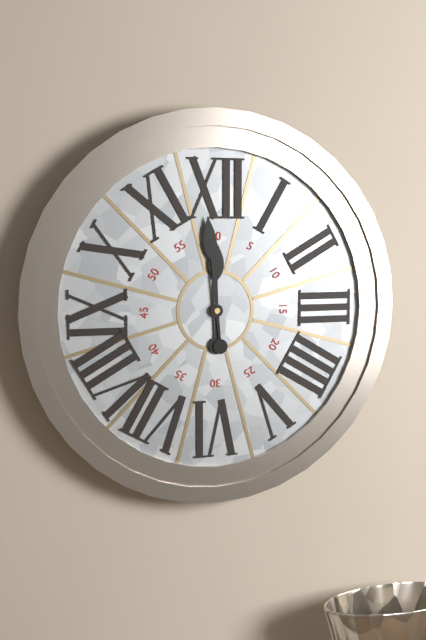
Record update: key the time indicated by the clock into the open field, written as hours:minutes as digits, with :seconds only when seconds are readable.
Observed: 11:59
